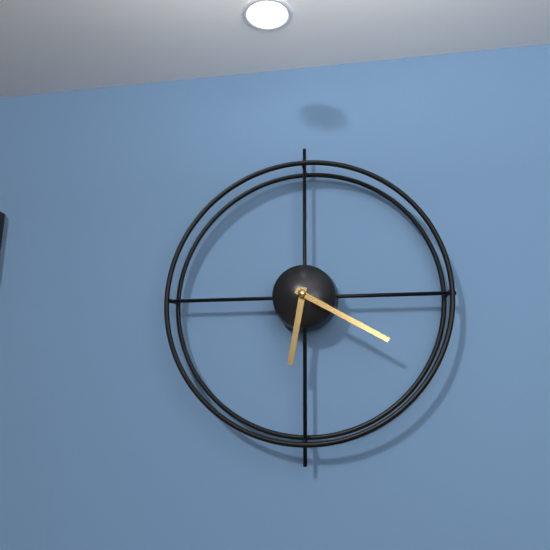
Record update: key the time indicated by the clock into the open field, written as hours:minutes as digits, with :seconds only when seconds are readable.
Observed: 6:20
